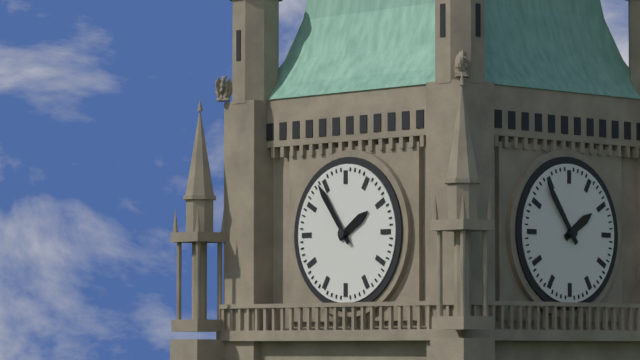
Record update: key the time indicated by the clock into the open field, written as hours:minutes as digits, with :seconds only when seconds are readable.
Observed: 1:54
